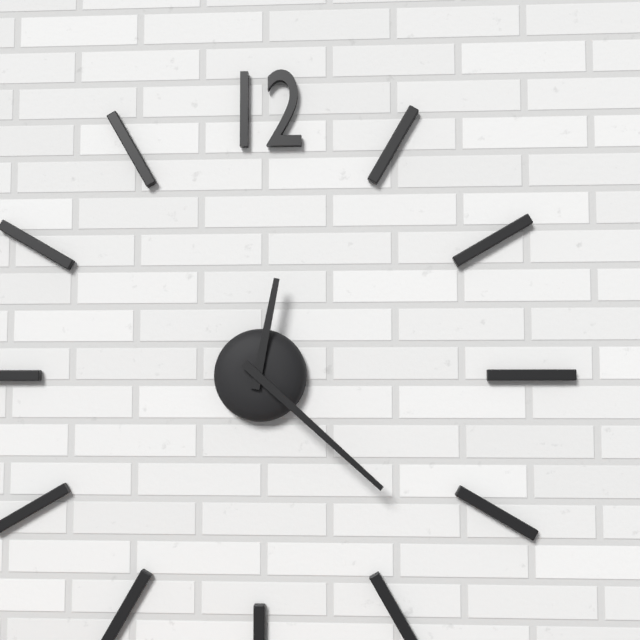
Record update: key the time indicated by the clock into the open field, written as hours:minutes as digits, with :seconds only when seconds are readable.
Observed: 12:22
